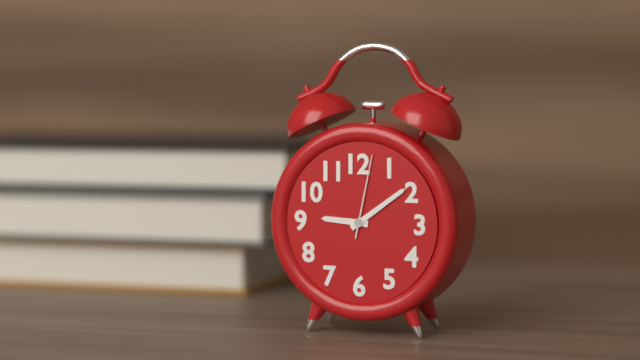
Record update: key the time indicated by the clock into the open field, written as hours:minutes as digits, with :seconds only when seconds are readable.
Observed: 9:09:02
